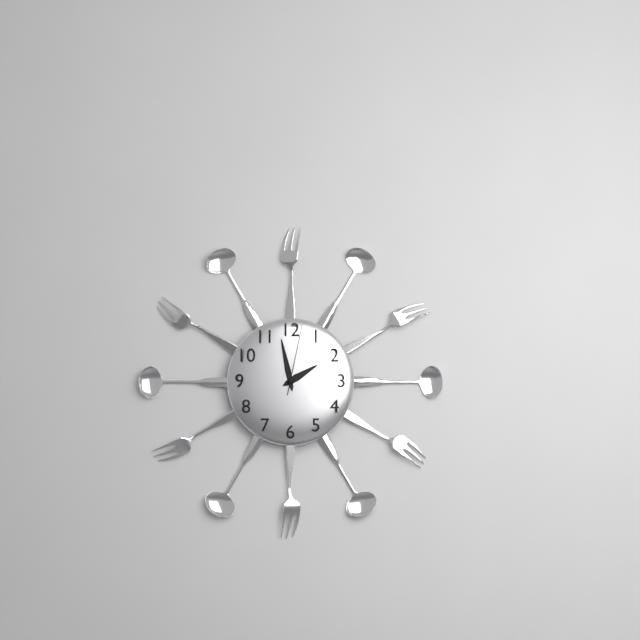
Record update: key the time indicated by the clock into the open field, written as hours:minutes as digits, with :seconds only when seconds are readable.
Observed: 1:58:02
